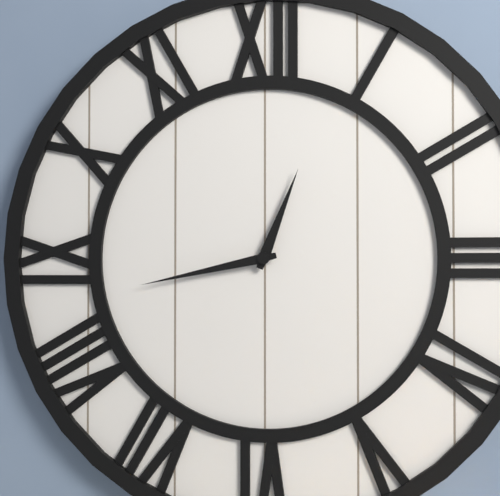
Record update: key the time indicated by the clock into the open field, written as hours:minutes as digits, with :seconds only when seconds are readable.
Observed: 12:43
